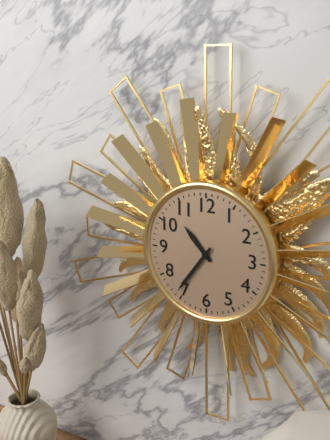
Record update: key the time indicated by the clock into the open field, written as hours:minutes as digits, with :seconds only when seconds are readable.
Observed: 10:36
